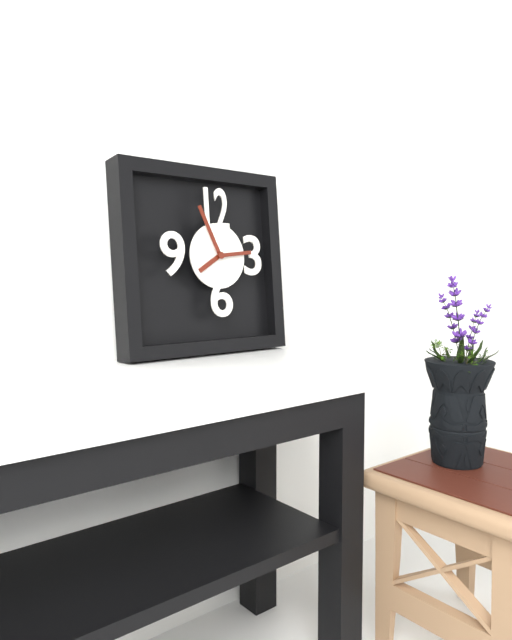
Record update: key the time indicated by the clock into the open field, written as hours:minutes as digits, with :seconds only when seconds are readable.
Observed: 7:56
